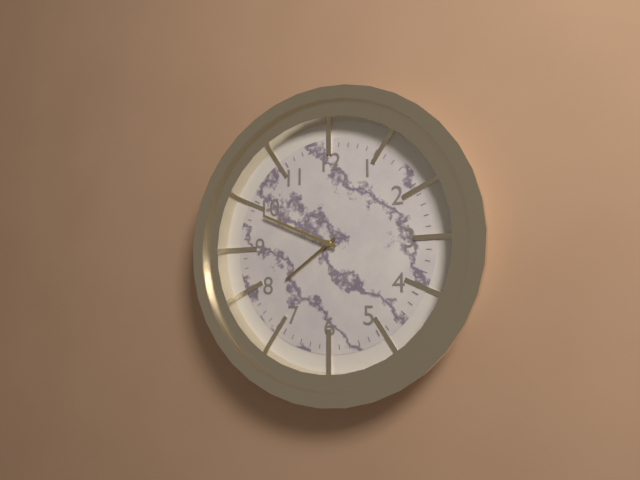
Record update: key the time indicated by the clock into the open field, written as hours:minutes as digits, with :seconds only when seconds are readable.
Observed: 7:49
